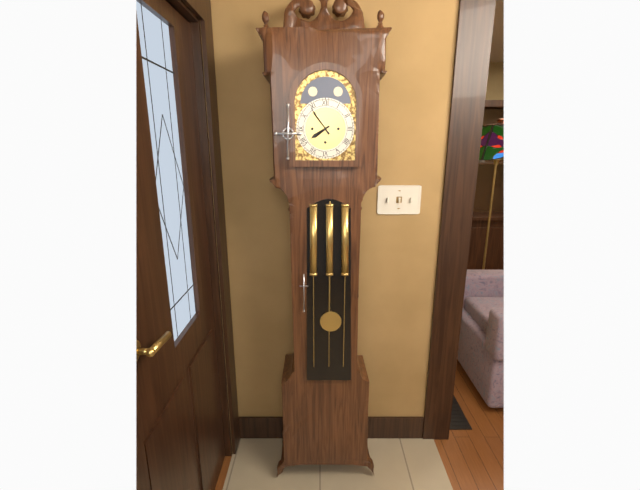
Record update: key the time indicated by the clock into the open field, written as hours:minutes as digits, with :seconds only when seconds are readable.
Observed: 7:54
